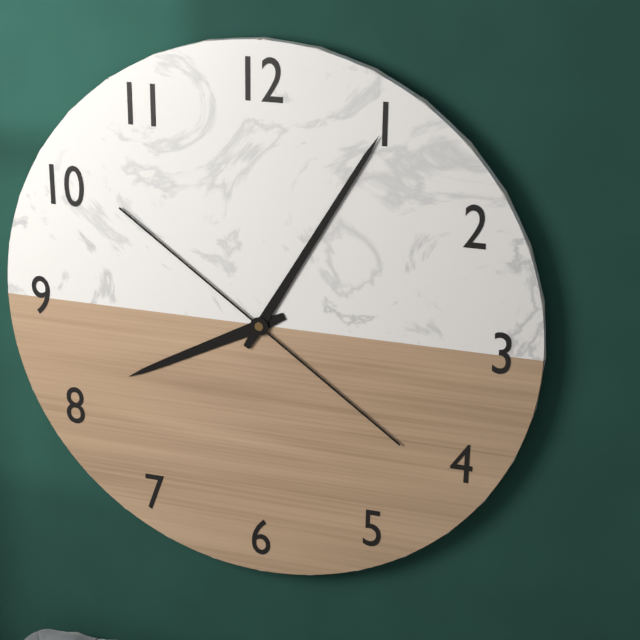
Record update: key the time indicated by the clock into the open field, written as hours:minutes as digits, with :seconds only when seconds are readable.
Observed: 8:05
